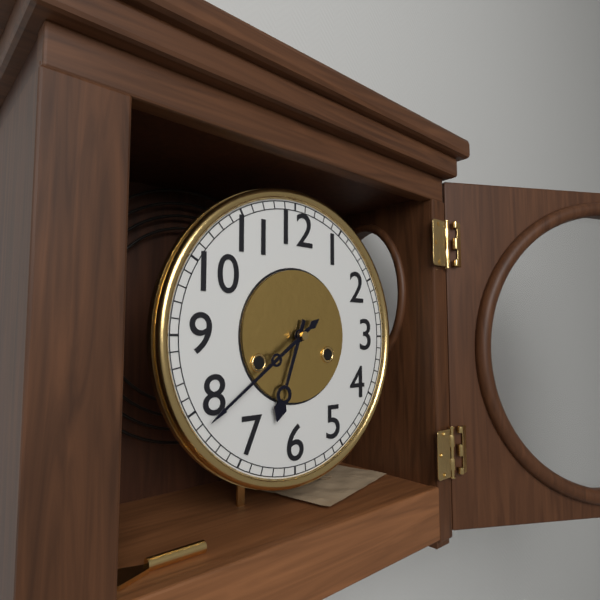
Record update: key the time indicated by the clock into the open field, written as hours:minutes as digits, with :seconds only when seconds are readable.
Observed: 6:39
